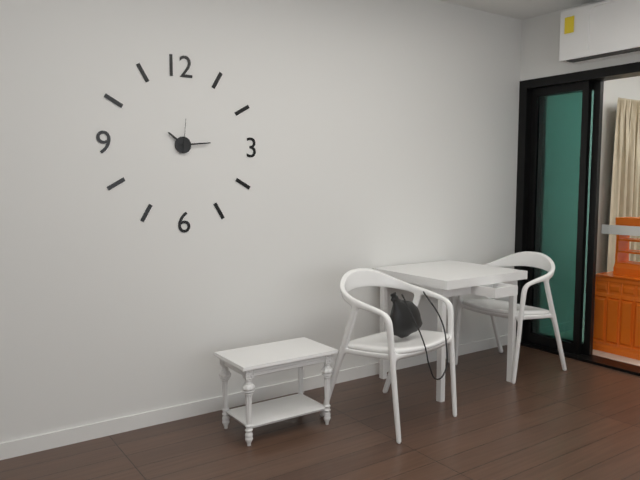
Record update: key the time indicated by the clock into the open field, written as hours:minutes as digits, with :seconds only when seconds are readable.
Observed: 10:14
